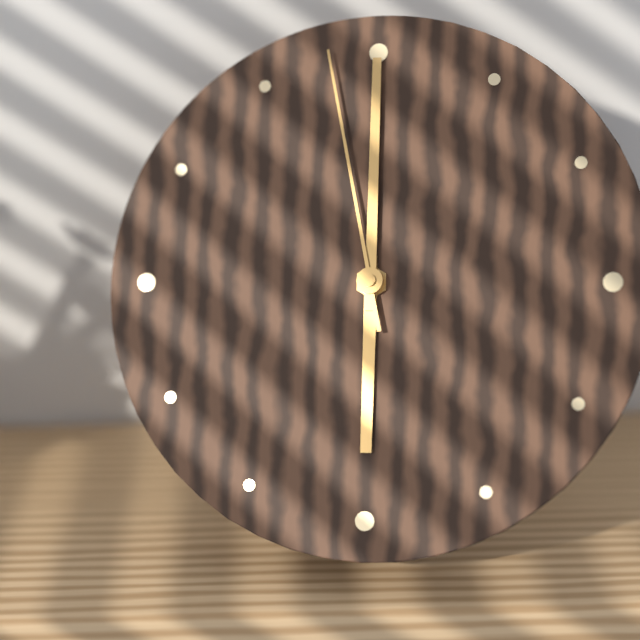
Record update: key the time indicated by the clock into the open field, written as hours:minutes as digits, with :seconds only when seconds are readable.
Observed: 6:00:58
